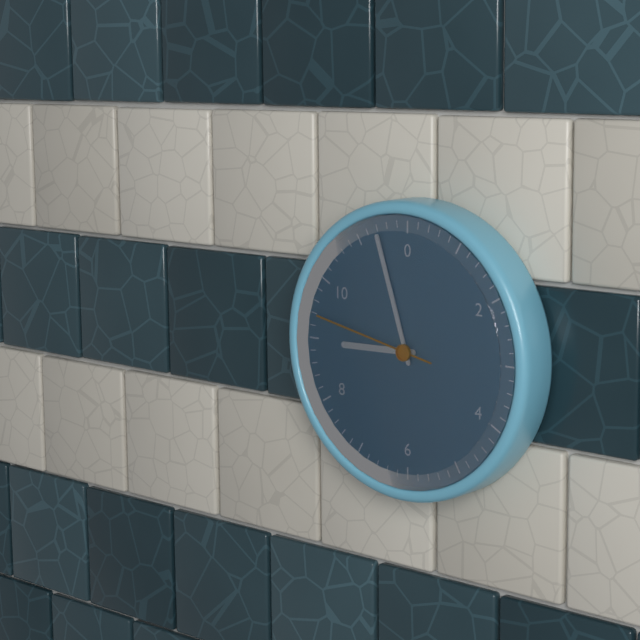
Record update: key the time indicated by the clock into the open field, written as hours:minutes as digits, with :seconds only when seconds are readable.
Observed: 8:57:47
